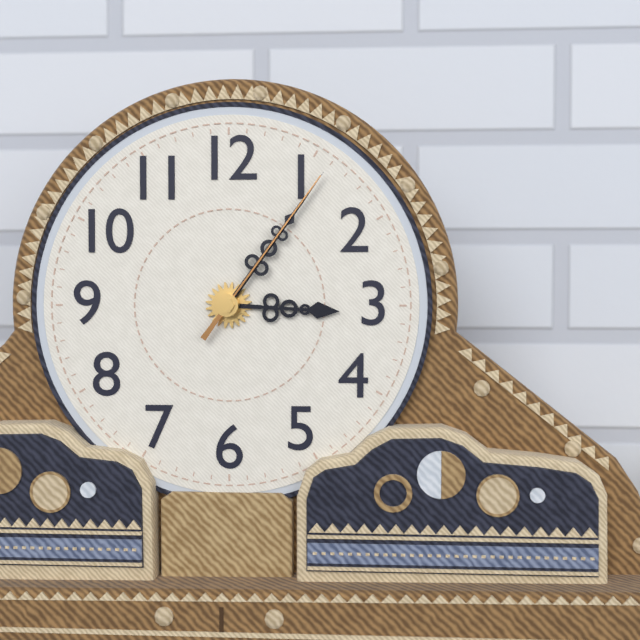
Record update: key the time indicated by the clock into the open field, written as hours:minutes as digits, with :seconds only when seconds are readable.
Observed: 3:06:06
